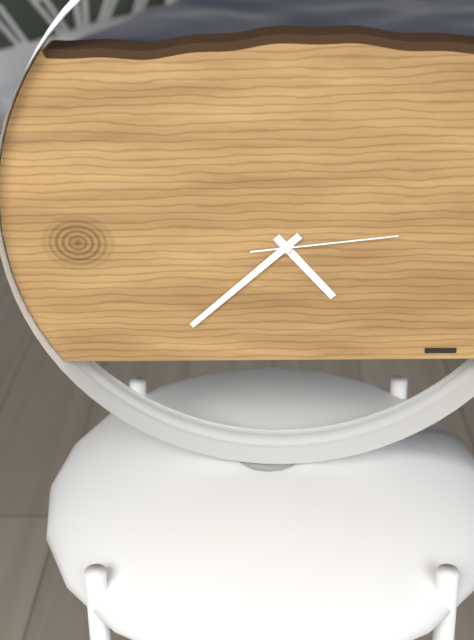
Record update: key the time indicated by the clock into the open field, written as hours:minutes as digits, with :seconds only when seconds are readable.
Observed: 4:38:14
